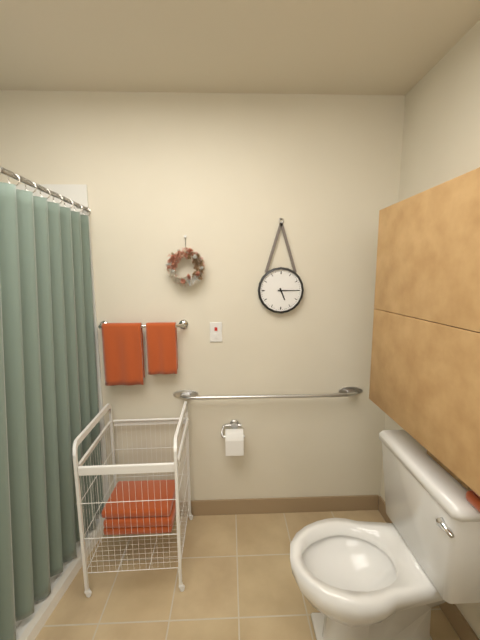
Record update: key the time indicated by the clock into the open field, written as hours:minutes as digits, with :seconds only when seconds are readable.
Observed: 5:15
